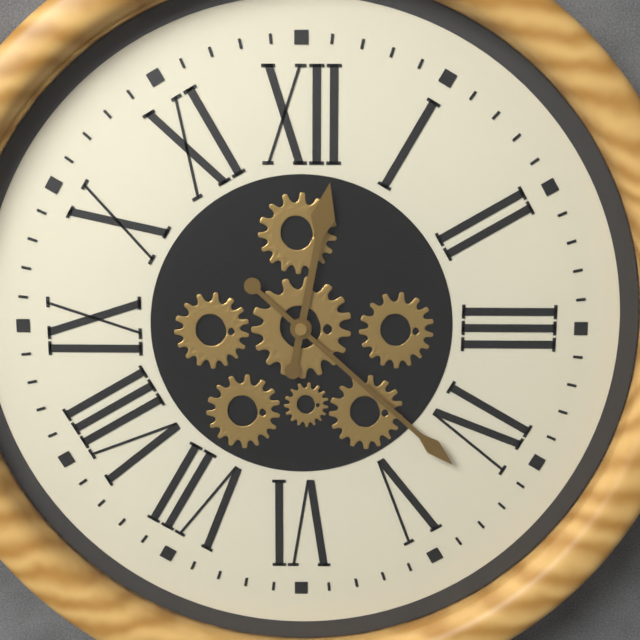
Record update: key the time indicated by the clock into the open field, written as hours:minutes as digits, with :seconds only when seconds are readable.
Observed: 12:22
